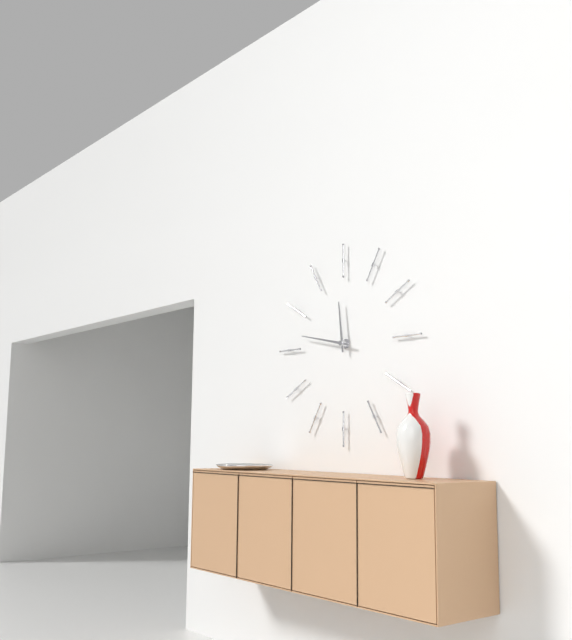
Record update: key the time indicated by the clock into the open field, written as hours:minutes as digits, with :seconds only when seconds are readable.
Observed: 11:47
